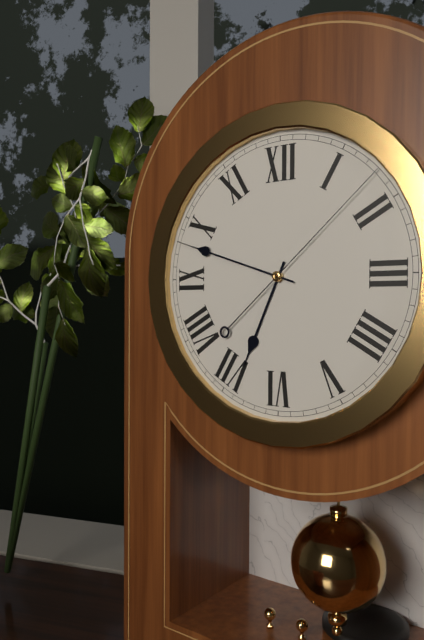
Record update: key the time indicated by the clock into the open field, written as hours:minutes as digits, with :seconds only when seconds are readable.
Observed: 6:48:08
